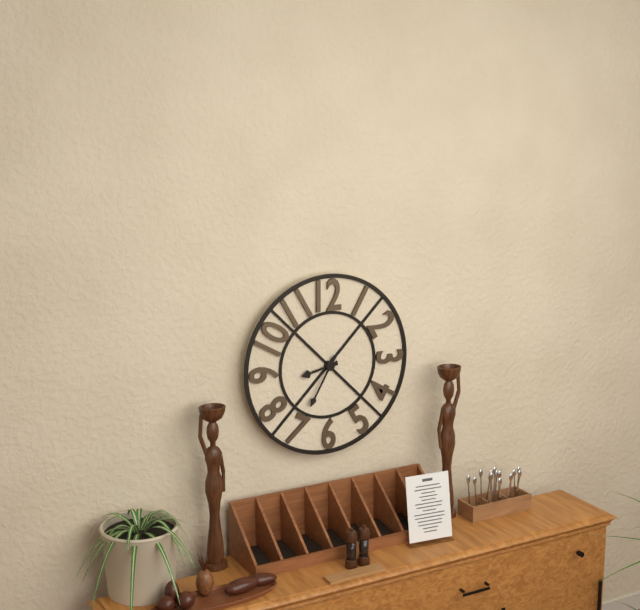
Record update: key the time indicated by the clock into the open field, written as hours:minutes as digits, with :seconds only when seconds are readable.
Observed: 8:35
